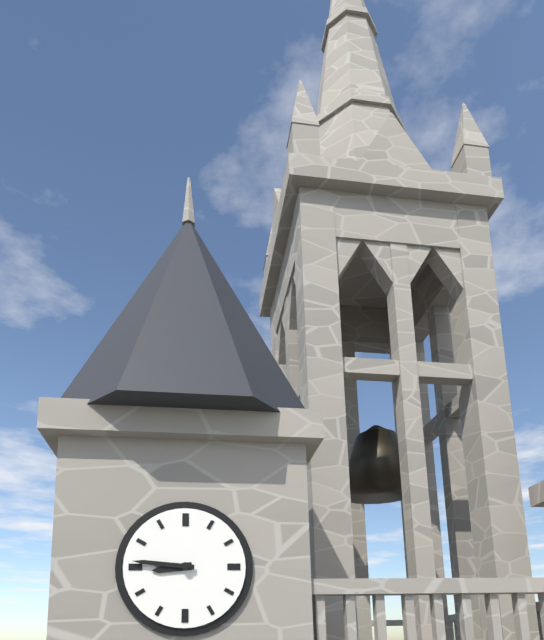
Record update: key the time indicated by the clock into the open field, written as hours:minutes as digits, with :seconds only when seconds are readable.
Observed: 8:46
